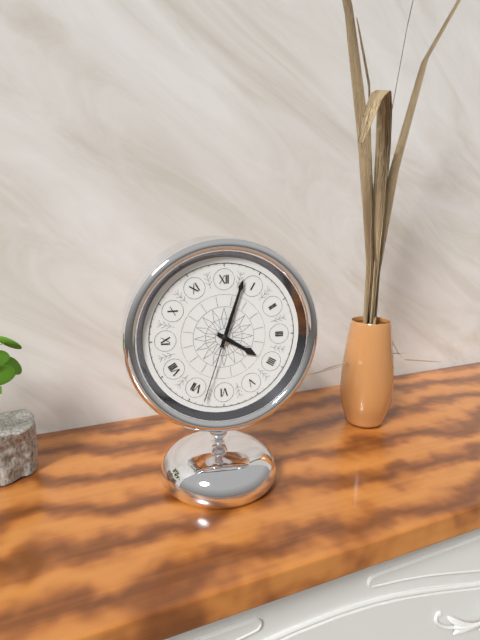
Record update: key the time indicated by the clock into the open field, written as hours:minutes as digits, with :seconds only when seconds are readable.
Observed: 4:03:33
